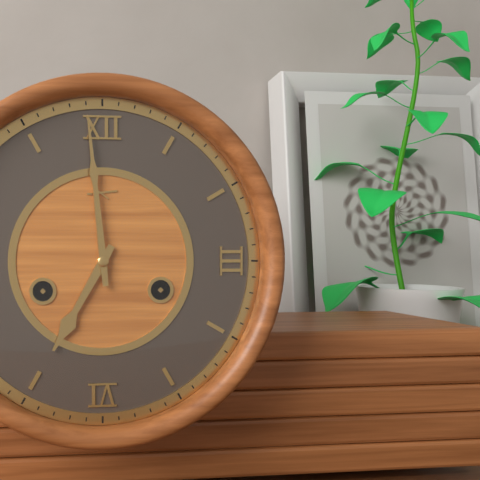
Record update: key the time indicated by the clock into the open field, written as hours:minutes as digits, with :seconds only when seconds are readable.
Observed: 6:59
